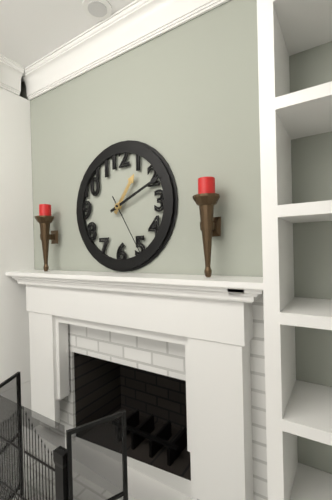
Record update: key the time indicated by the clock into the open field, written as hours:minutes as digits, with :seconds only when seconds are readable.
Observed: 1:11:25
